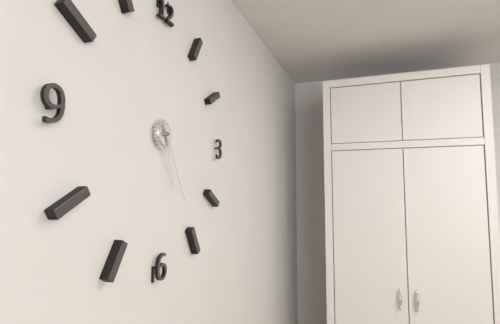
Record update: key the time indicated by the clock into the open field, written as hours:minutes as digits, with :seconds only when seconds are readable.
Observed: 5:25
